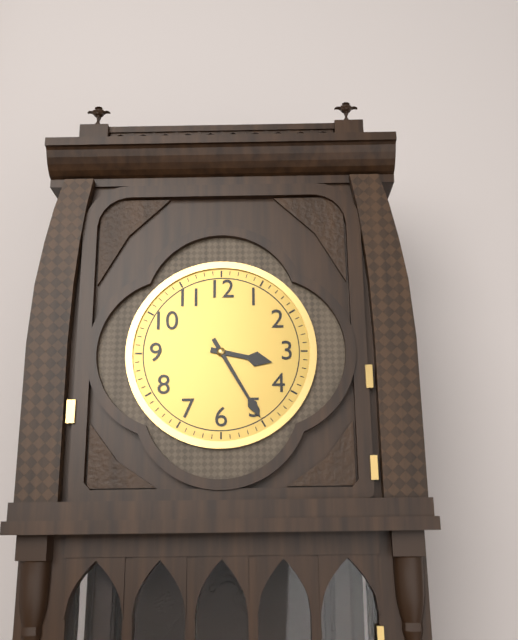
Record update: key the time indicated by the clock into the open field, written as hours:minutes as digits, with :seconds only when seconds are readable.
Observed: 3:25
